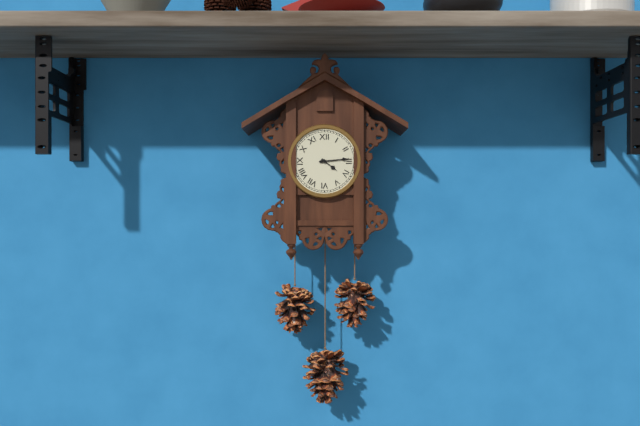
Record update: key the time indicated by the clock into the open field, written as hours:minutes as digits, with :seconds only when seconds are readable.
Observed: 4:14
